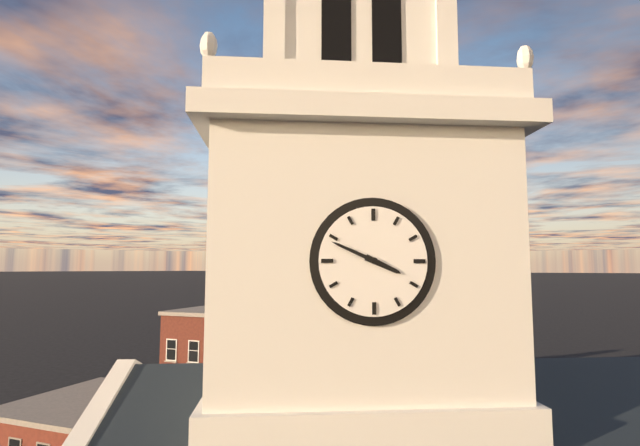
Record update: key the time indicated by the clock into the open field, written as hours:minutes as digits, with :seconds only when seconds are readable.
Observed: 3:49
